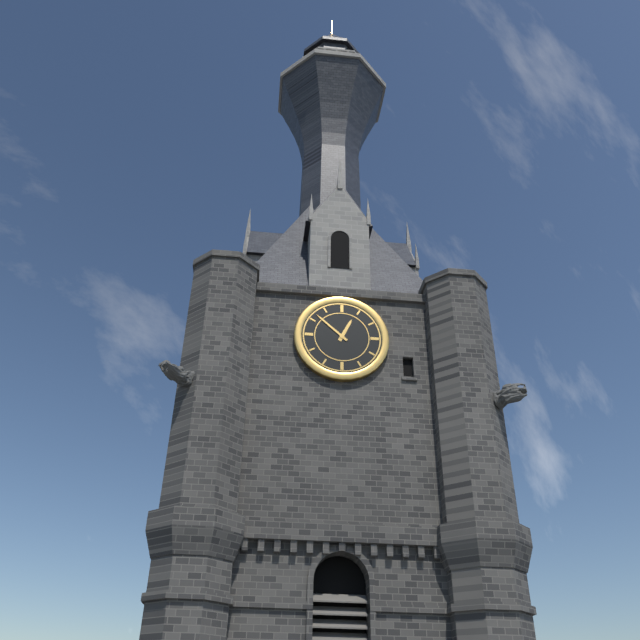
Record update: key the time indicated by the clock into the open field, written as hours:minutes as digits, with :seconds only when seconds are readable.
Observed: 12:52
